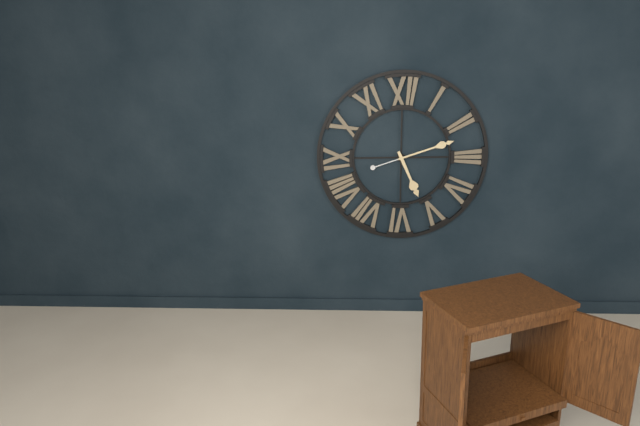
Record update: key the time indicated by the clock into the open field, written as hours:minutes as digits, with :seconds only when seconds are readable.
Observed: 5:12
